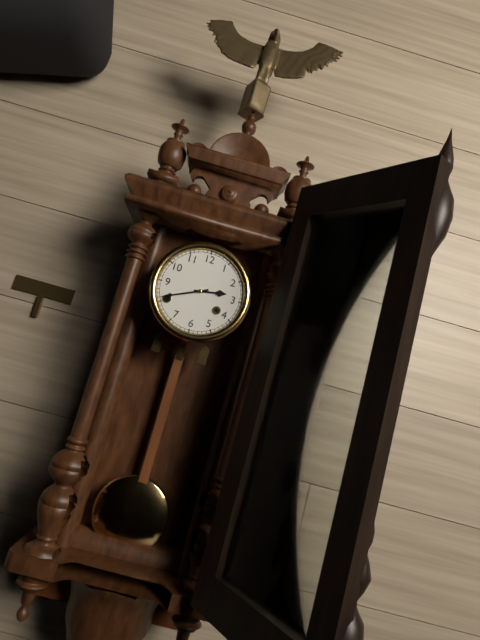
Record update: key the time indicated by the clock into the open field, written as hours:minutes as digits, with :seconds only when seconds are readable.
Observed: 2:41
